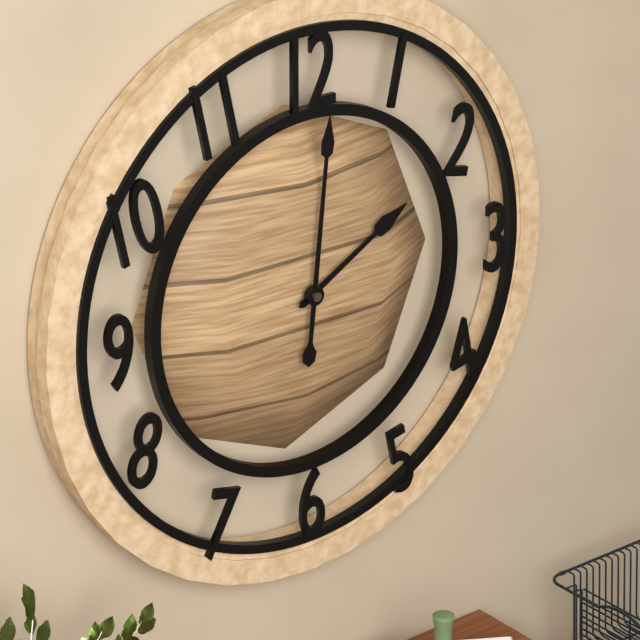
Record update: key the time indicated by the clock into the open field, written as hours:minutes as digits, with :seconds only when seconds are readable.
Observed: 2:01
